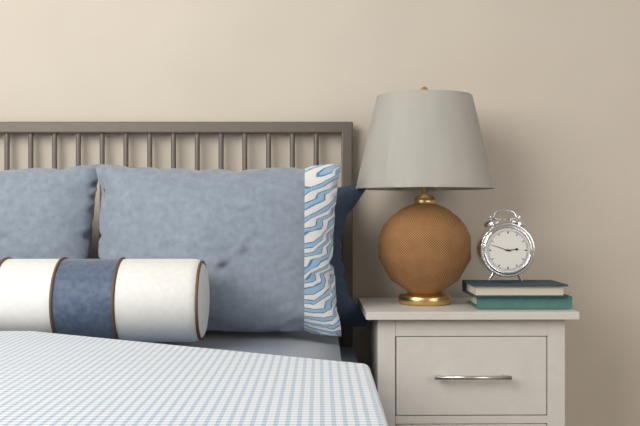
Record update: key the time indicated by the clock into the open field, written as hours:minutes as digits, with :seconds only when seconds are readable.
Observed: 2:48
